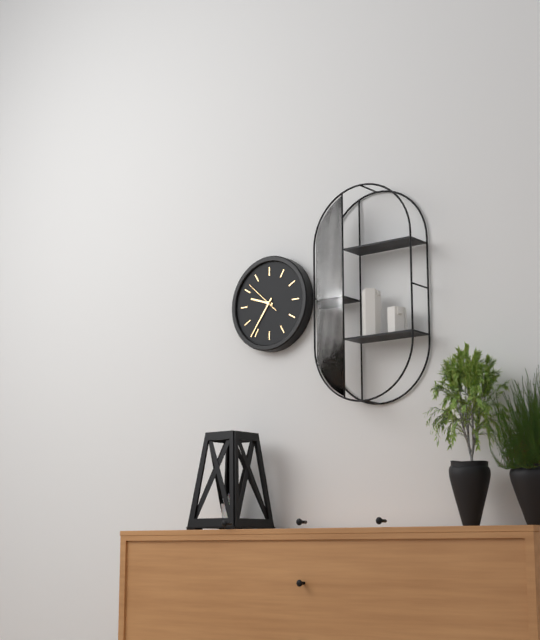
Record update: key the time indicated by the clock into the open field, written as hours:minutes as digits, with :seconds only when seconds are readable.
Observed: 9:36
